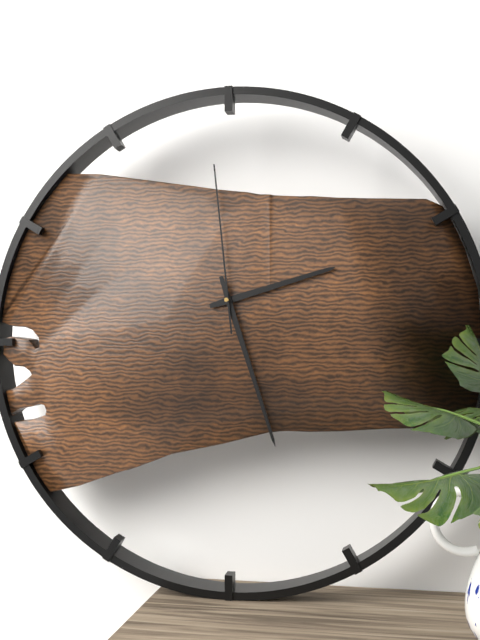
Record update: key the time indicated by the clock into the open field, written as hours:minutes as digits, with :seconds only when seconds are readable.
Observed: 2:27:59
